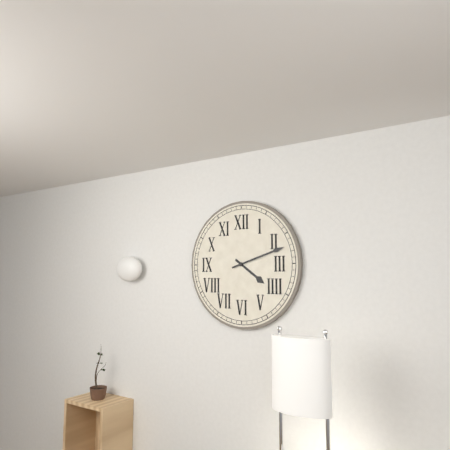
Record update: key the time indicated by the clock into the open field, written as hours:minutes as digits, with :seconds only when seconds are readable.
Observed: 4:12
